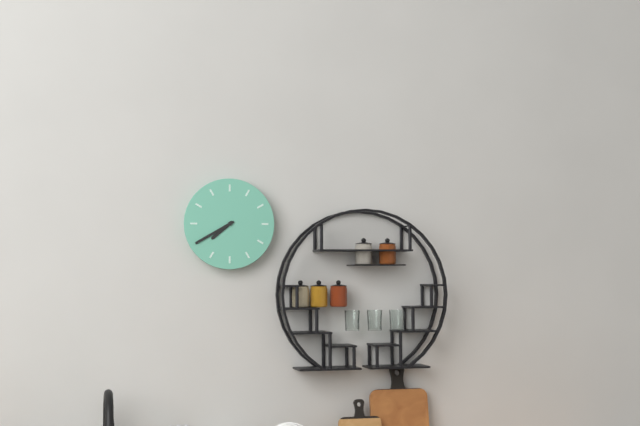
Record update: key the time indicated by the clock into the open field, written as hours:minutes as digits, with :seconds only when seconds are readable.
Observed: 7:40
